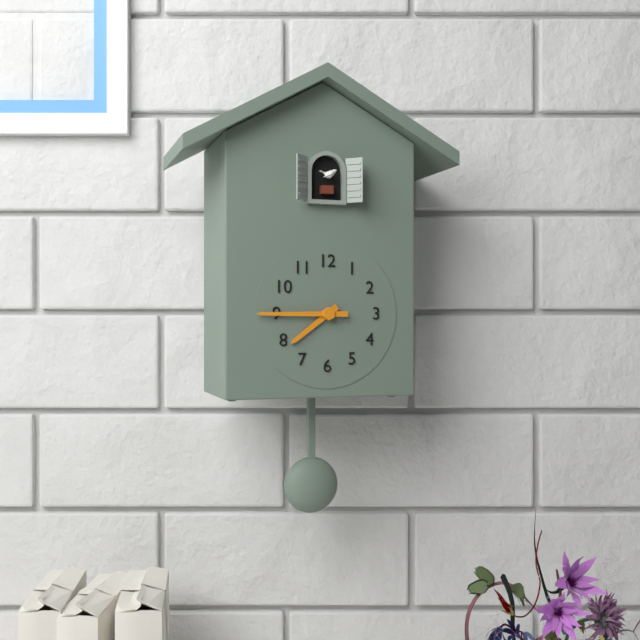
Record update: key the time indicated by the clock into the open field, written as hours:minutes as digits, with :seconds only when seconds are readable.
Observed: 7:45
